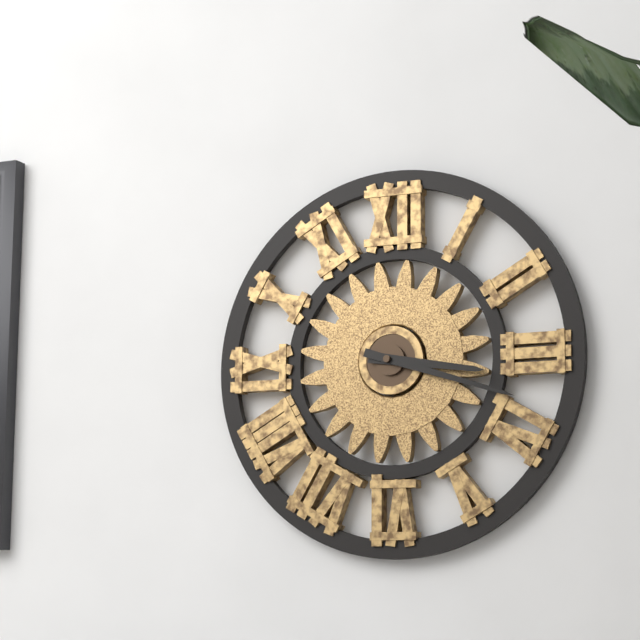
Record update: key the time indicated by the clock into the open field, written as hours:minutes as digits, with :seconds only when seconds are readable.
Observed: 3:18
